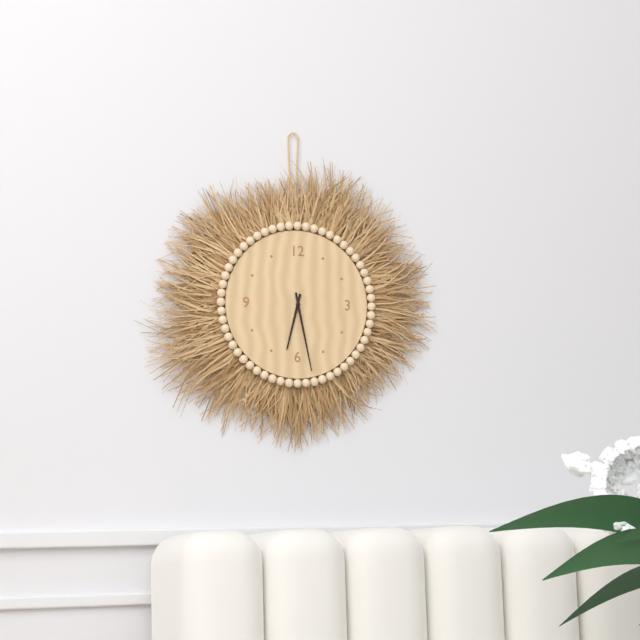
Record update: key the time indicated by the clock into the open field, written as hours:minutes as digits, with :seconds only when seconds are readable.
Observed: 6:28
